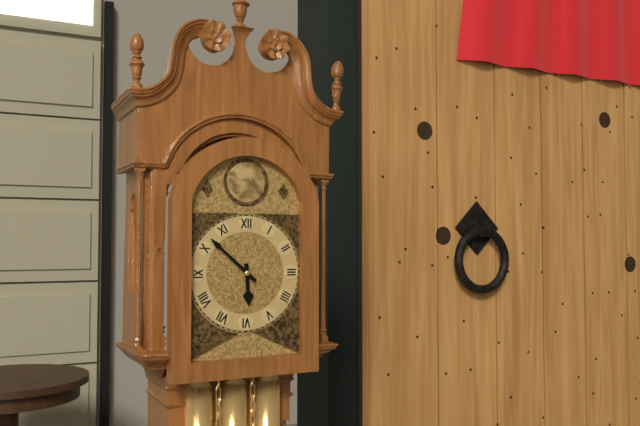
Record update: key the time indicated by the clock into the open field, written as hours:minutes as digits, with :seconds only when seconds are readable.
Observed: 5:52
